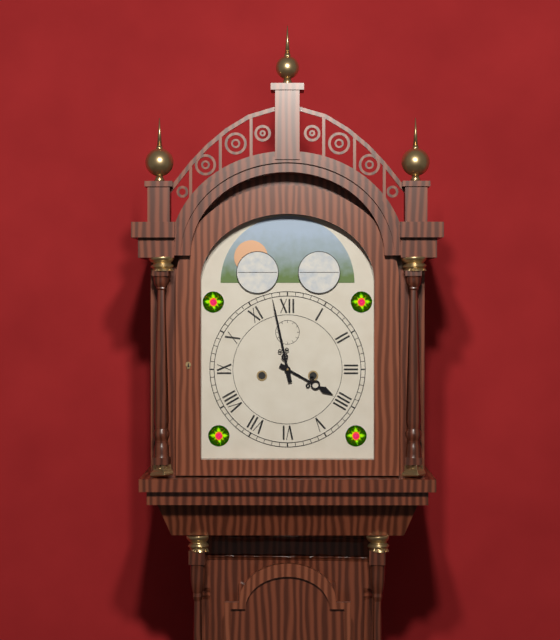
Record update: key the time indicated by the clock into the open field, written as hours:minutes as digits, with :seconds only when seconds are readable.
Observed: 3:58
